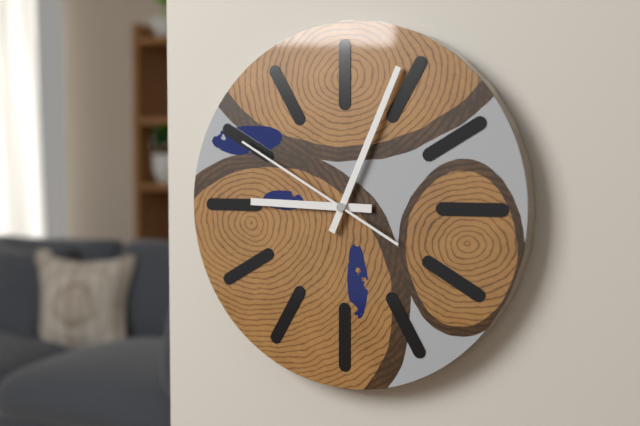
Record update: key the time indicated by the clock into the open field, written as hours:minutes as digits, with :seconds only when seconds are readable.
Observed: 9:04:50
